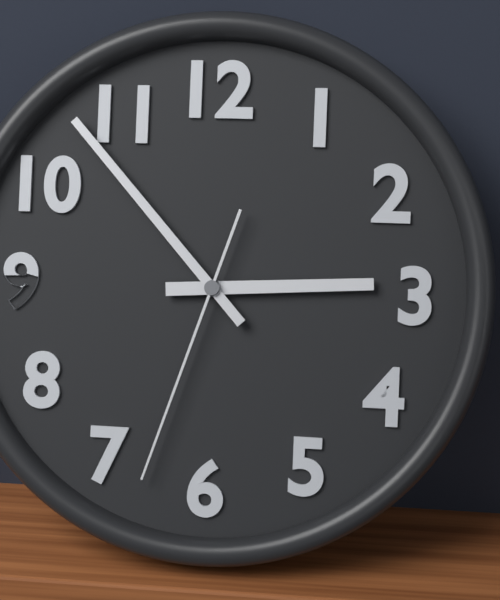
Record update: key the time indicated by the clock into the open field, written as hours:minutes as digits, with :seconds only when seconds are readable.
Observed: 2:53:33
